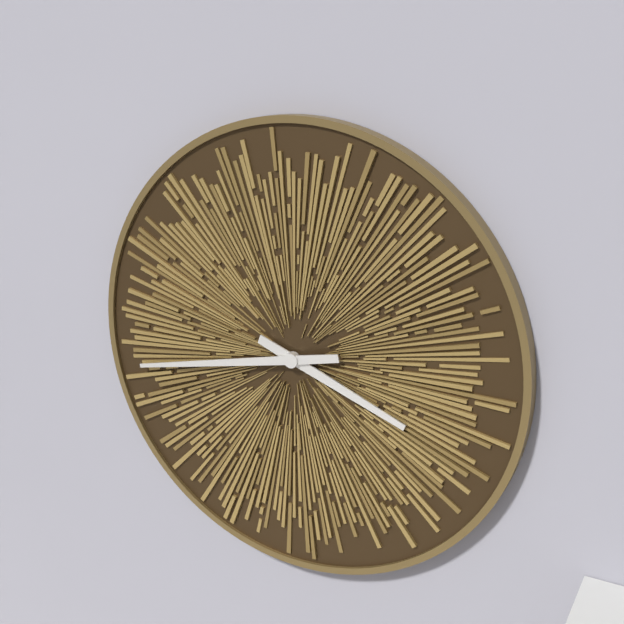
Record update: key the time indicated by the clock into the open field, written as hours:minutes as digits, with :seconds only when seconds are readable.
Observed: 3:43
